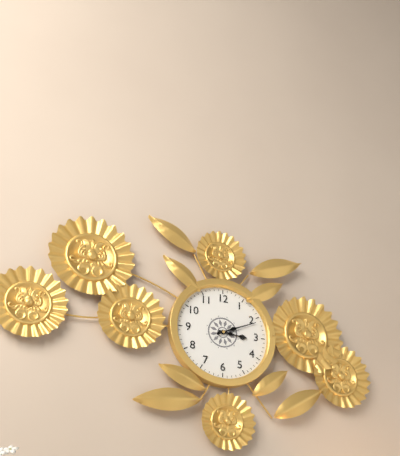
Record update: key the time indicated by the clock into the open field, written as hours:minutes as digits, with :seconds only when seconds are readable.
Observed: 3:11
